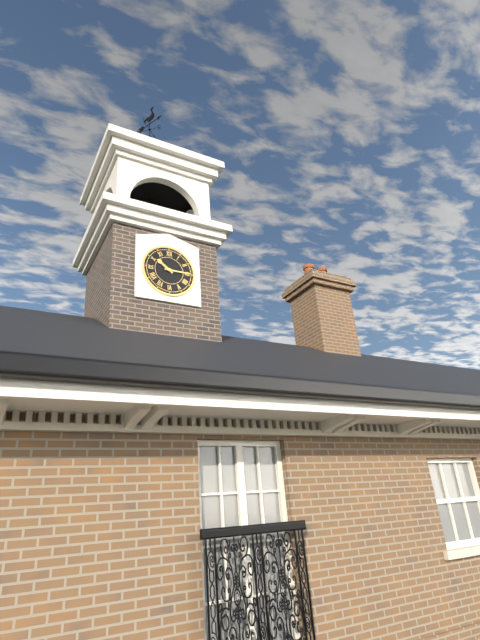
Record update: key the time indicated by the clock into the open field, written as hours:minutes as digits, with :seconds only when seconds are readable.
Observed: 10:15
